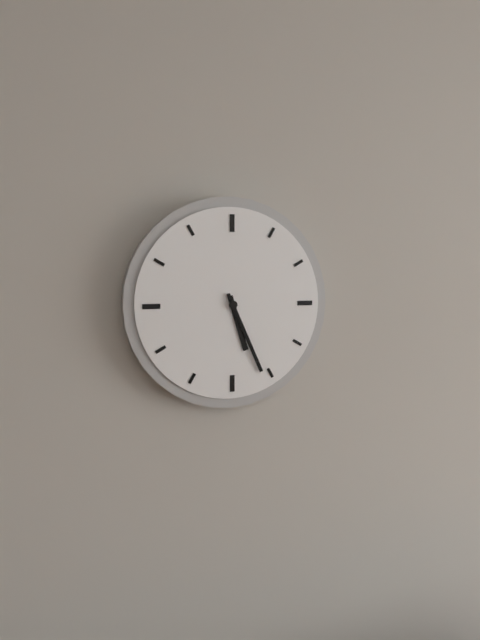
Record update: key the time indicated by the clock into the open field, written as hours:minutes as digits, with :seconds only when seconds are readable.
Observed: 5:26
